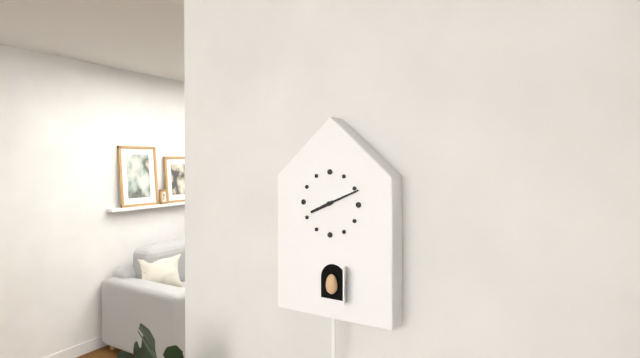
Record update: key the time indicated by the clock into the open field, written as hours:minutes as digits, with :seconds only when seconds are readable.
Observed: 8:11
